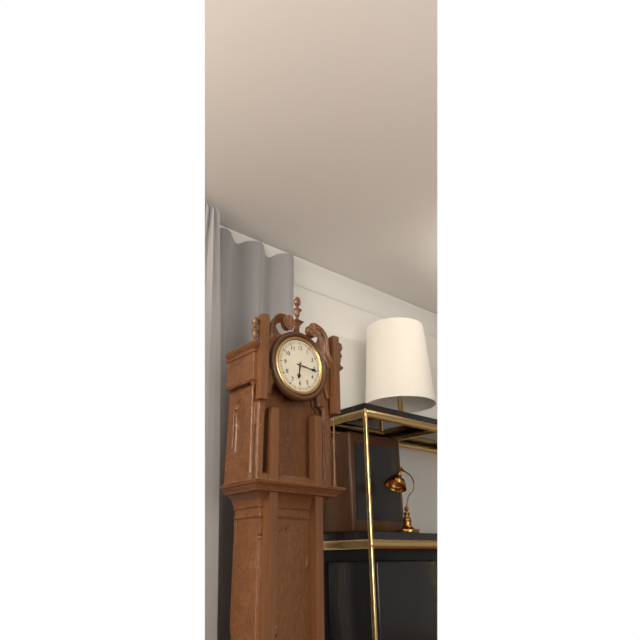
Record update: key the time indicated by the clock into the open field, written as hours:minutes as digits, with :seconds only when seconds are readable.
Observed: 6:16
